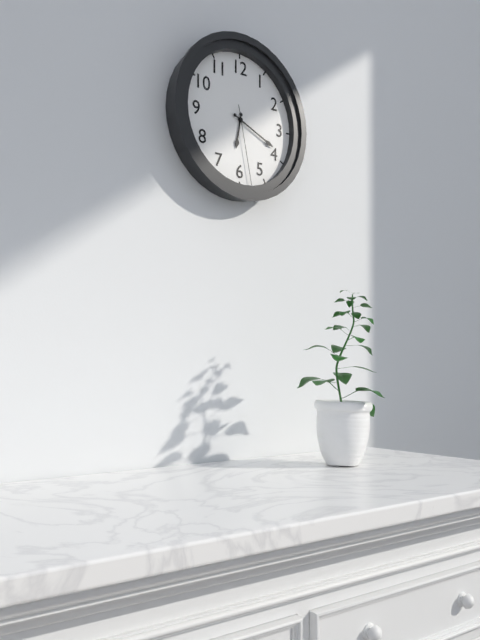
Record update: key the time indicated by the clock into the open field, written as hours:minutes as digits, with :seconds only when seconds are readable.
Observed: 6:19:28
